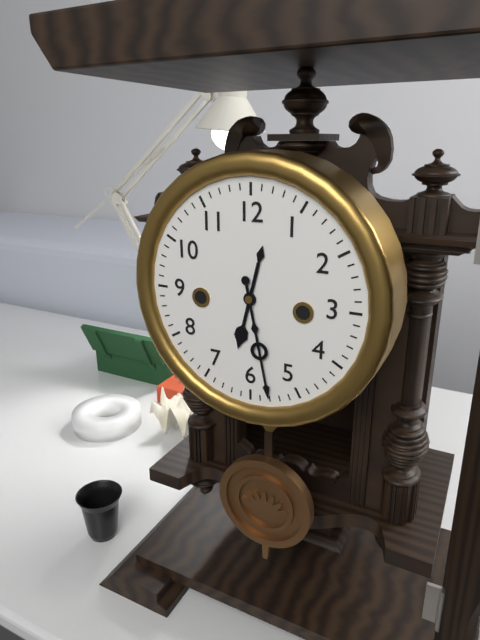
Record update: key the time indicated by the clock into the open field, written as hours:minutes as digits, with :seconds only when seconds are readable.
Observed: 6:28
